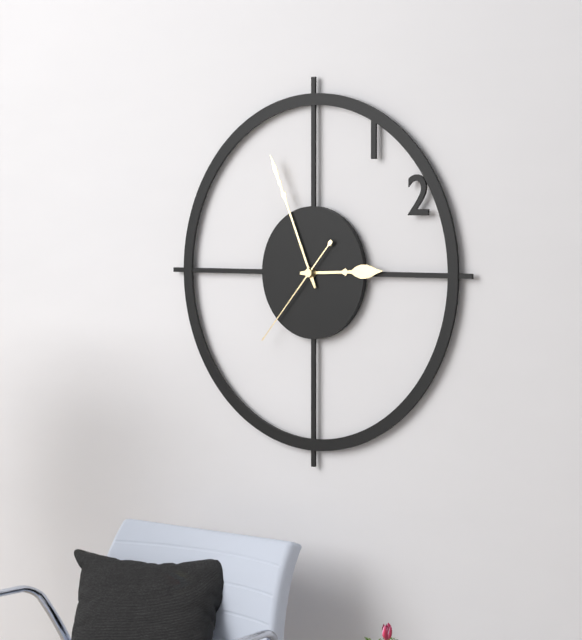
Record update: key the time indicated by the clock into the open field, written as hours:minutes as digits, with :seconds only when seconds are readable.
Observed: 2:56:37
